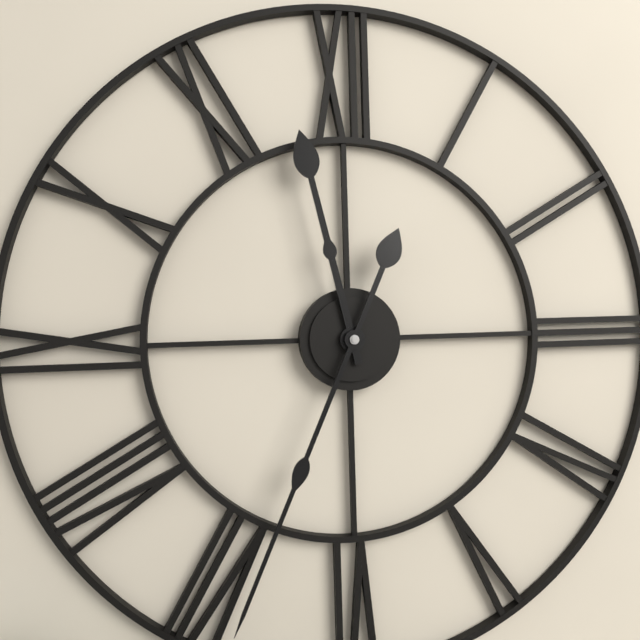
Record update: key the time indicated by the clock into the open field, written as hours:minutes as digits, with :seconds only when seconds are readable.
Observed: 11:34
